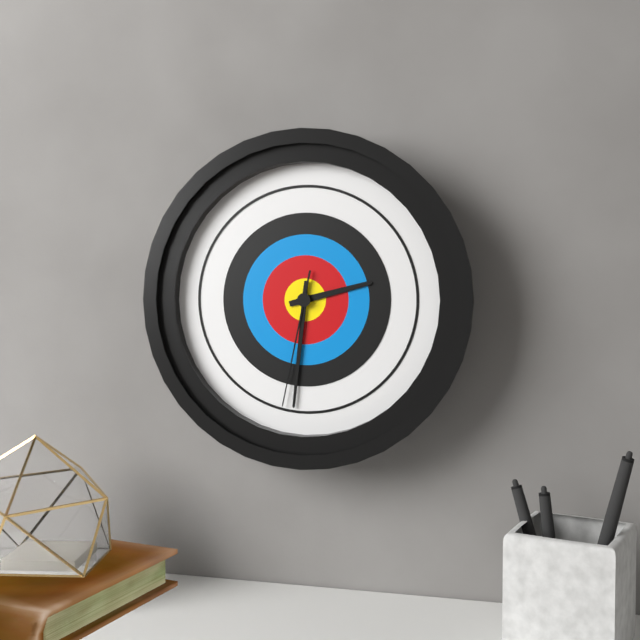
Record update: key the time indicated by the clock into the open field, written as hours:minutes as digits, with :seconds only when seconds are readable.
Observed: 2:31:32
